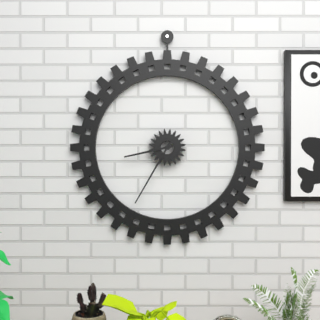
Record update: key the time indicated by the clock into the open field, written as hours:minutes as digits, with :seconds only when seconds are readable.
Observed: 8:35
